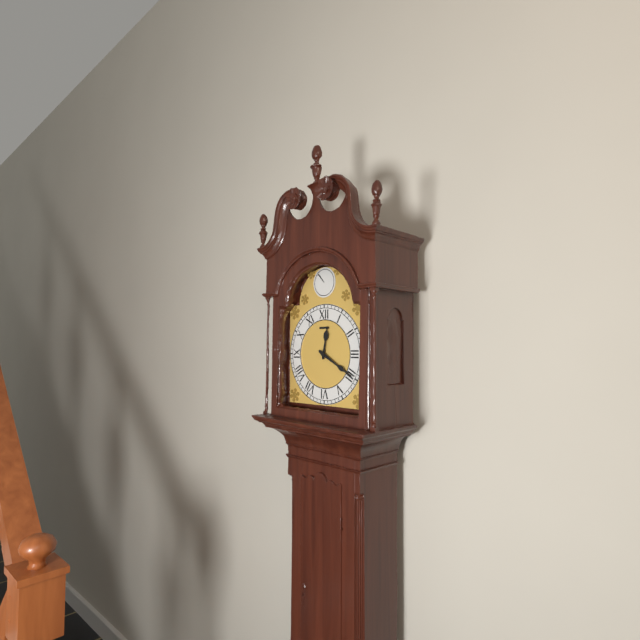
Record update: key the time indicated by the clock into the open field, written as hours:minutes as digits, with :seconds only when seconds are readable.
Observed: 12:20
